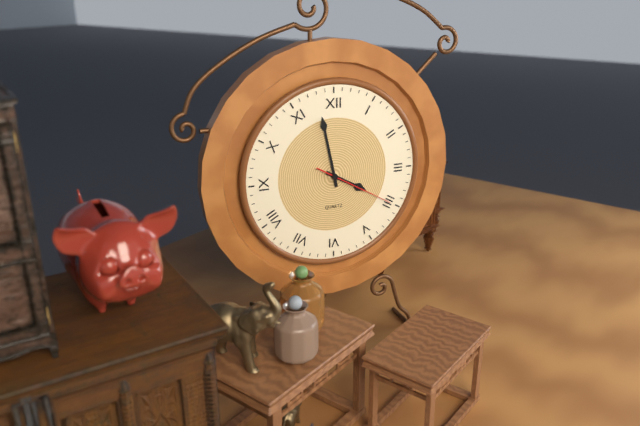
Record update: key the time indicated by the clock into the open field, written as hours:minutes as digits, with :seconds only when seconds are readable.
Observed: 3:58:20
